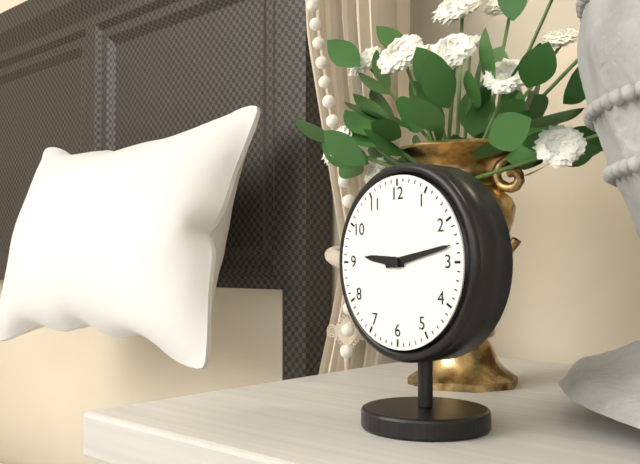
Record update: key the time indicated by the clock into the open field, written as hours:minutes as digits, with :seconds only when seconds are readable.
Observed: 9:13
